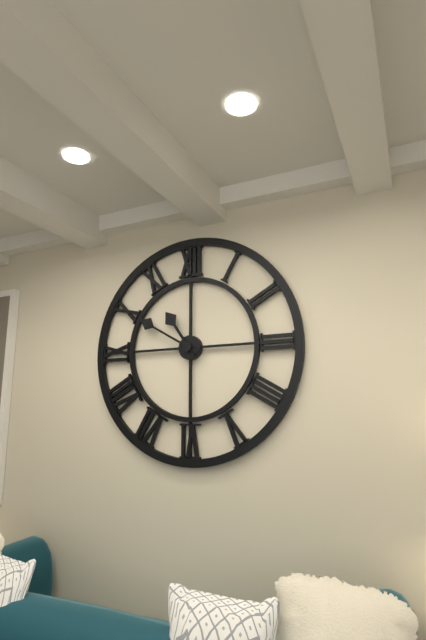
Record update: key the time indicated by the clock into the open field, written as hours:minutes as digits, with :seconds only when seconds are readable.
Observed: 10:50
